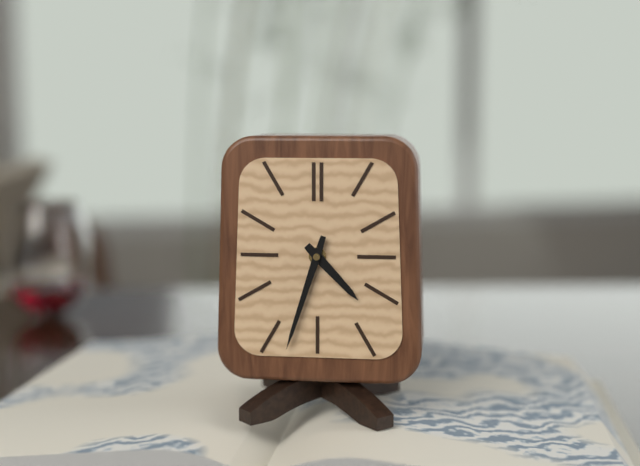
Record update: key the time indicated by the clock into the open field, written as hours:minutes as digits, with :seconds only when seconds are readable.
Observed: 4:33
